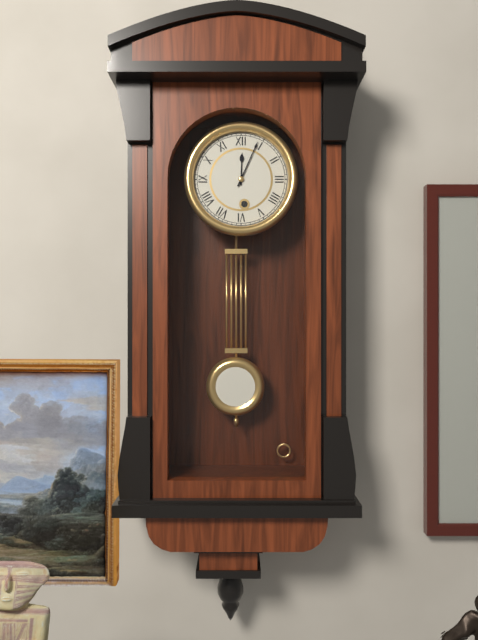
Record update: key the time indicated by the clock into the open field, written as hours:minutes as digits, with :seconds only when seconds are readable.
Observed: 12:04
